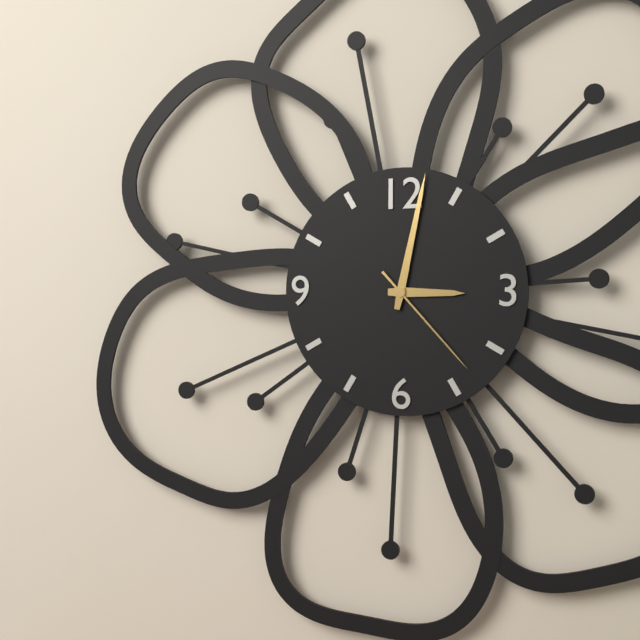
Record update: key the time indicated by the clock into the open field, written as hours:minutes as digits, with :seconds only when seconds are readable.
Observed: 3:02:23
